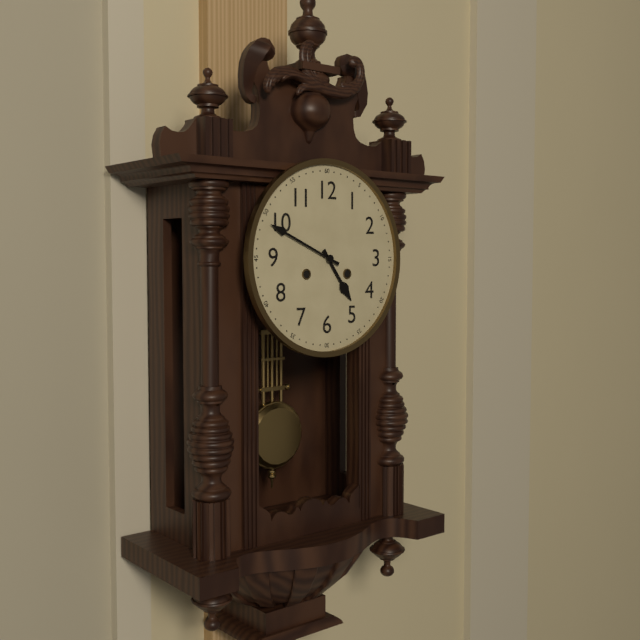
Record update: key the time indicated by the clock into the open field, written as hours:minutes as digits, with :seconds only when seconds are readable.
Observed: 4:49
